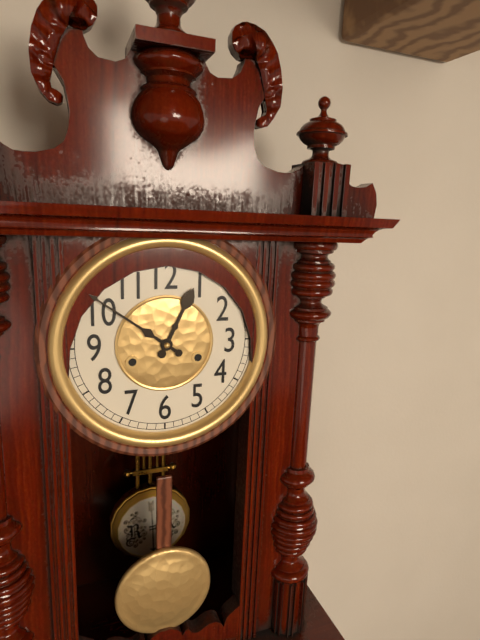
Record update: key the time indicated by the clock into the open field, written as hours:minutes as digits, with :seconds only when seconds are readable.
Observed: 12:51
